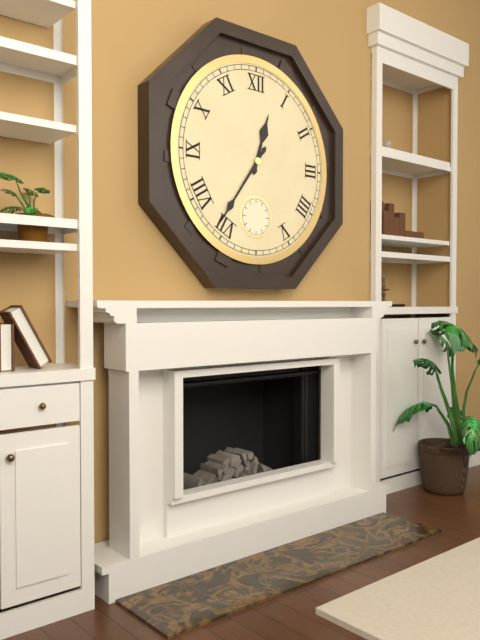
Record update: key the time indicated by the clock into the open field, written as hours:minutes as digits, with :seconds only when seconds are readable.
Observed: 12:36
